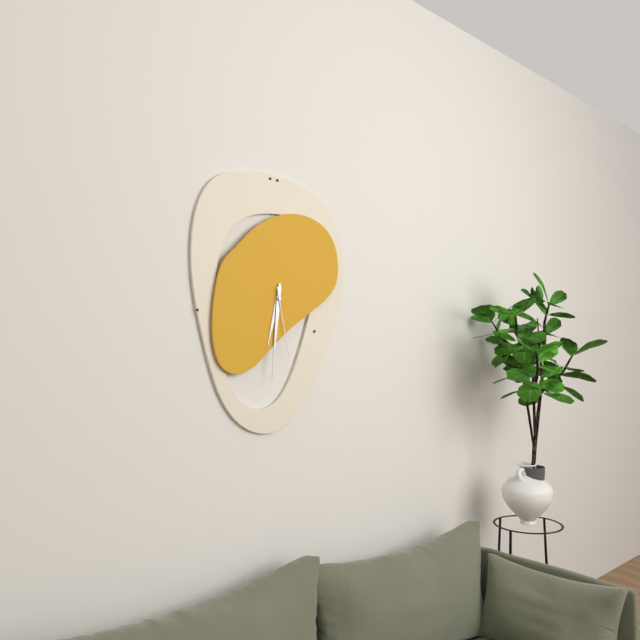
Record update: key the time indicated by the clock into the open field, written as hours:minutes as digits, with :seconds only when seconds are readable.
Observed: 6:31:28
